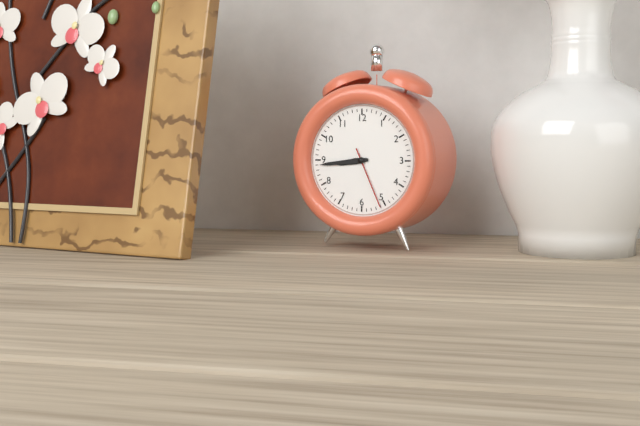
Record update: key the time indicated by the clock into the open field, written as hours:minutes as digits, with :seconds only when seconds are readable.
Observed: 8:44:26
